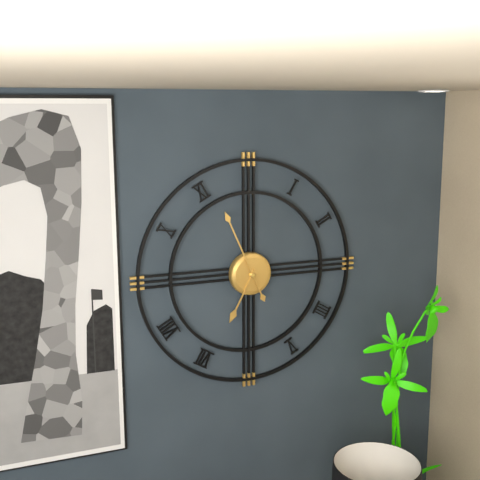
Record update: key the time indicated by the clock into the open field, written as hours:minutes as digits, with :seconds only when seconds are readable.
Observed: 6:56
